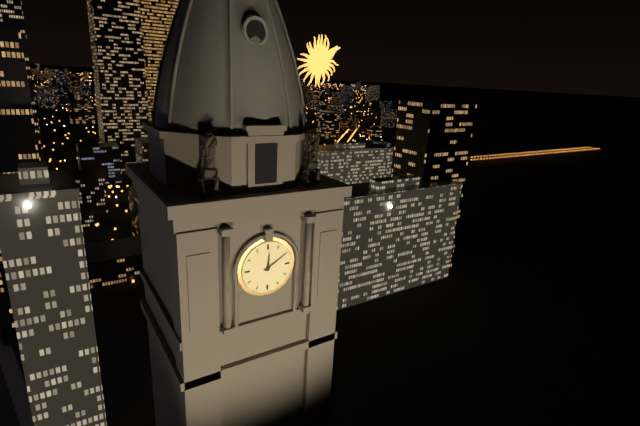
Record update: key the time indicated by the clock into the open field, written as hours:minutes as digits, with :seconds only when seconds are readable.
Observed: 12:10
